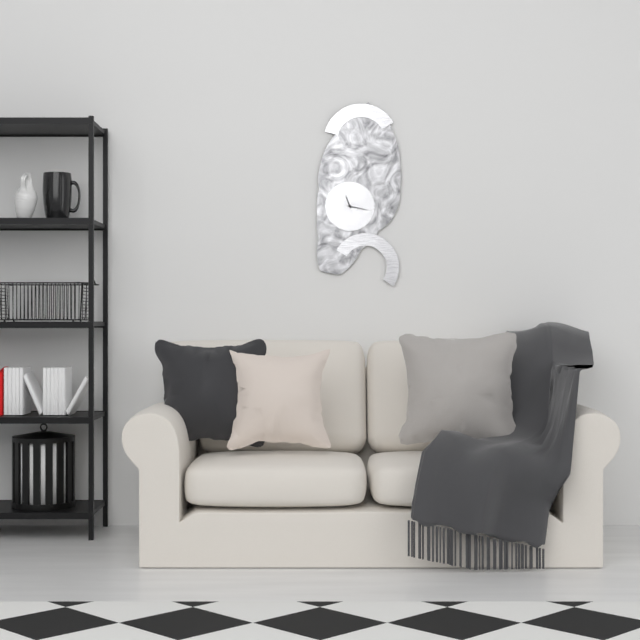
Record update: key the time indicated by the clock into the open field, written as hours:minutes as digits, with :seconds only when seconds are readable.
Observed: 11:17
